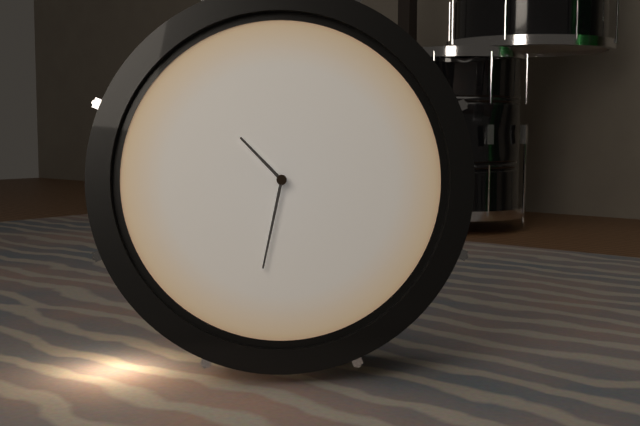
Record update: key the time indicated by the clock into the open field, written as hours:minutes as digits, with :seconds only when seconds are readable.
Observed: 10:32
